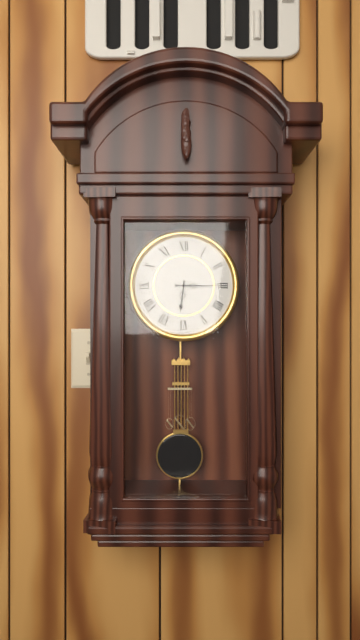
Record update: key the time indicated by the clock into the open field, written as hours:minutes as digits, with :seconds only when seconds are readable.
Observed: 6:15
